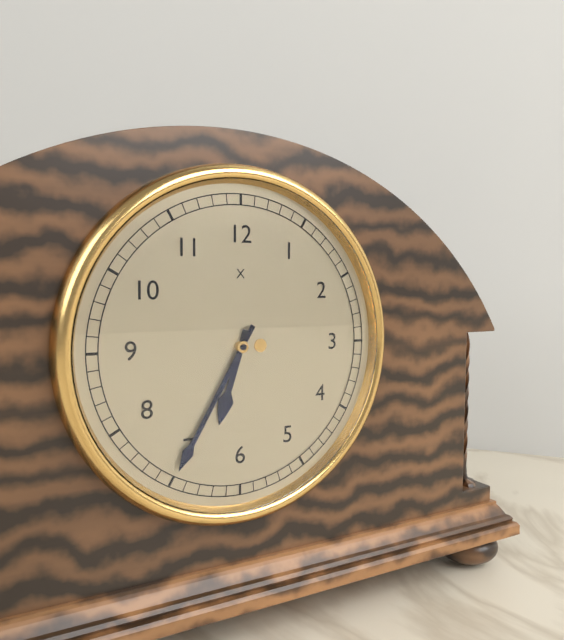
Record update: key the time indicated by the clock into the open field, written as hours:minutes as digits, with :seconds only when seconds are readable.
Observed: 6:35
